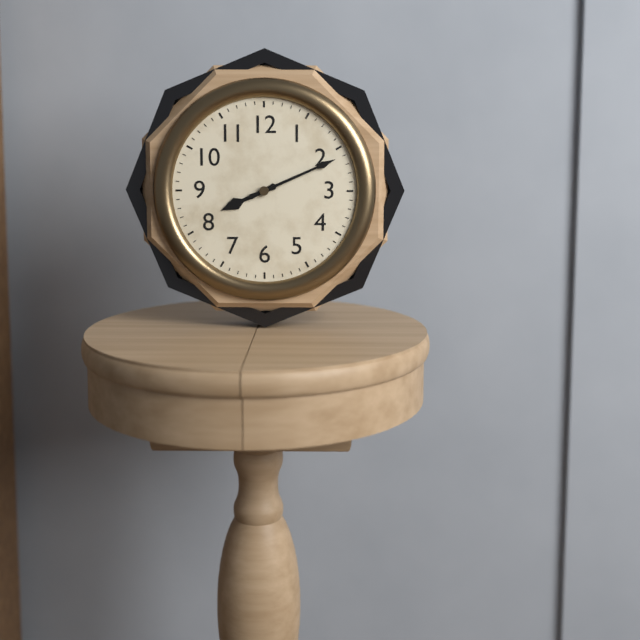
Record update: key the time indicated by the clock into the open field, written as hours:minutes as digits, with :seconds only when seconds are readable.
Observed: 8:11
